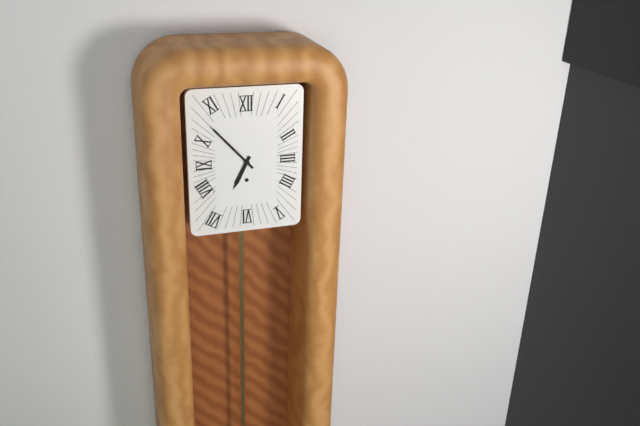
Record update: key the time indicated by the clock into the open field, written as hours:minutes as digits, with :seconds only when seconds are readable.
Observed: 6:53
